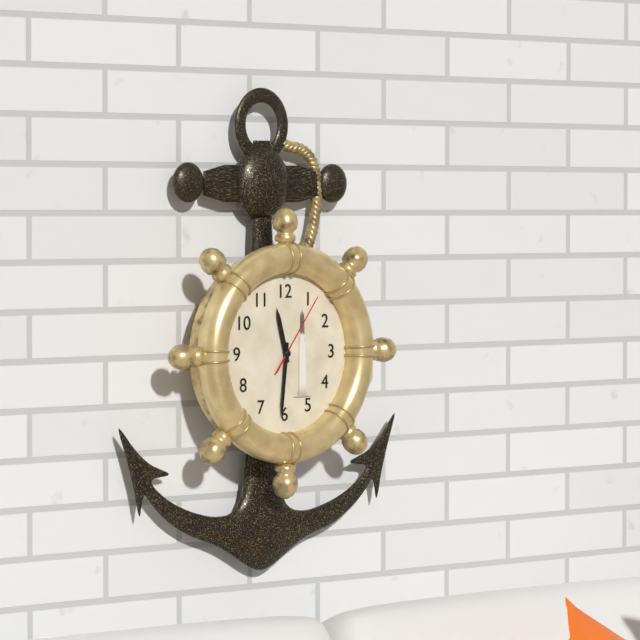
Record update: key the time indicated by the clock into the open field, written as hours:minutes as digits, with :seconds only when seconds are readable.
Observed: 11:31:06
